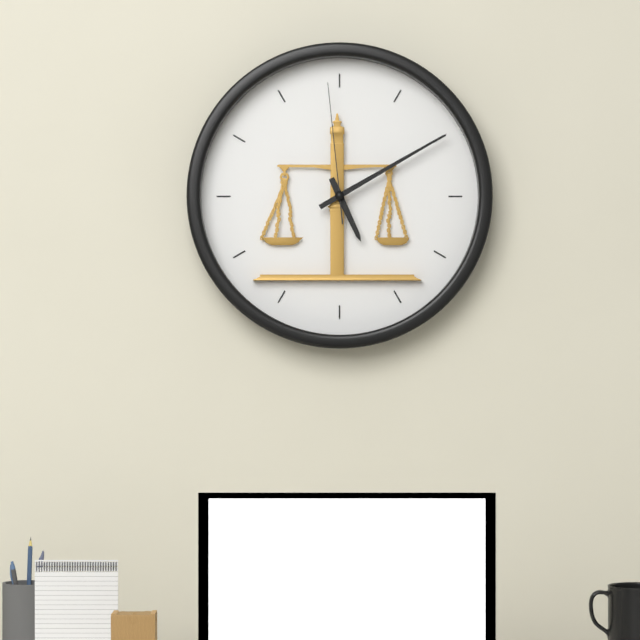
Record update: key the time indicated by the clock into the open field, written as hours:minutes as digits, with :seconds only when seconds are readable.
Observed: 5:10:59
